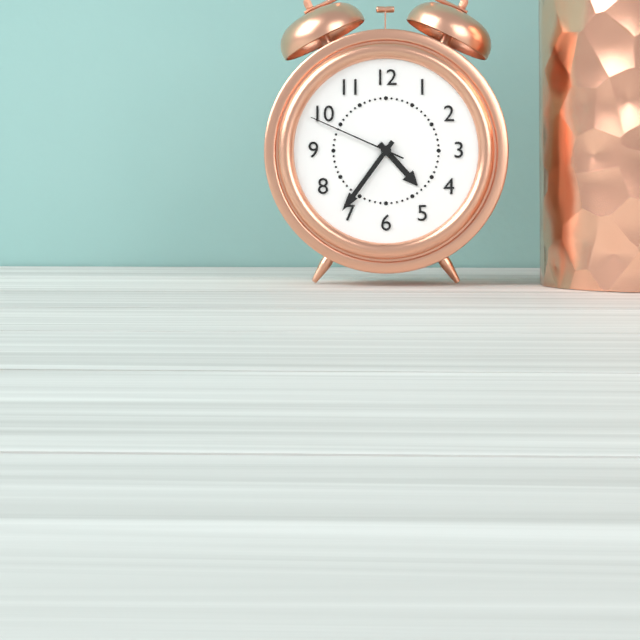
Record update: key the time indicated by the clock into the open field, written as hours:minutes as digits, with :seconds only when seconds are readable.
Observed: 4:36:49
